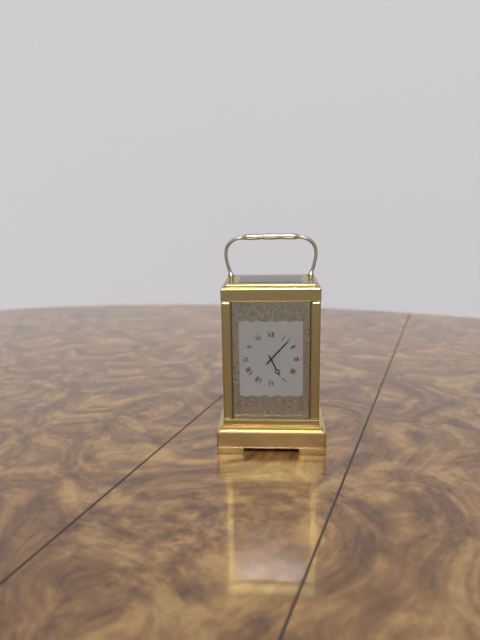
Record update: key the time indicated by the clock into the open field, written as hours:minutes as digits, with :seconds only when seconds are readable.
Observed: 5:07
